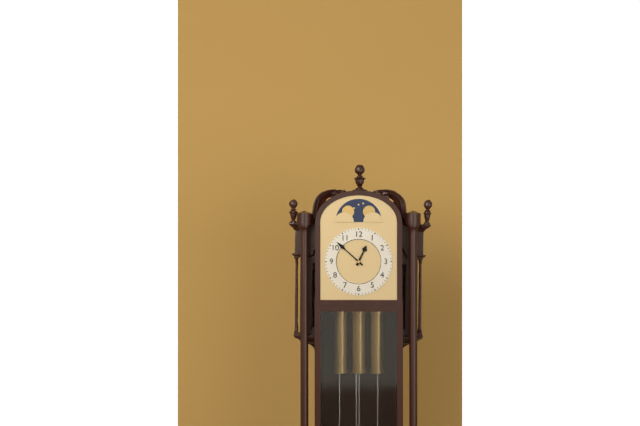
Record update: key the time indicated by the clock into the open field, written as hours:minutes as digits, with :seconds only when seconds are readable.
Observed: 12:52
